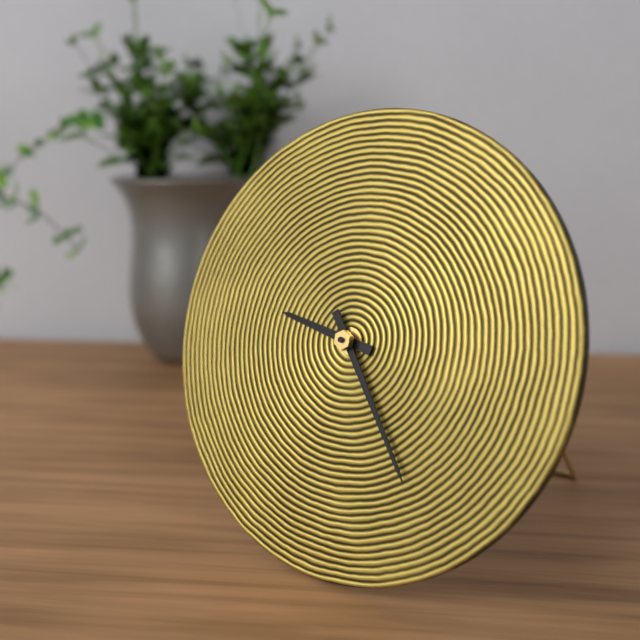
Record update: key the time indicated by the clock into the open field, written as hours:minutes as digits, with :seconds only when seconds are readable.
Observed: 9:24
